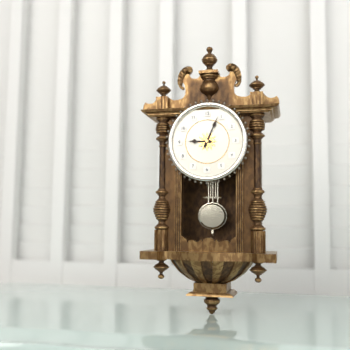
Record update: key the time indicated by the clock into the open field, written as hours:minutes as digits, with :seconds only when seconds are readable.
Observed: 9:04
